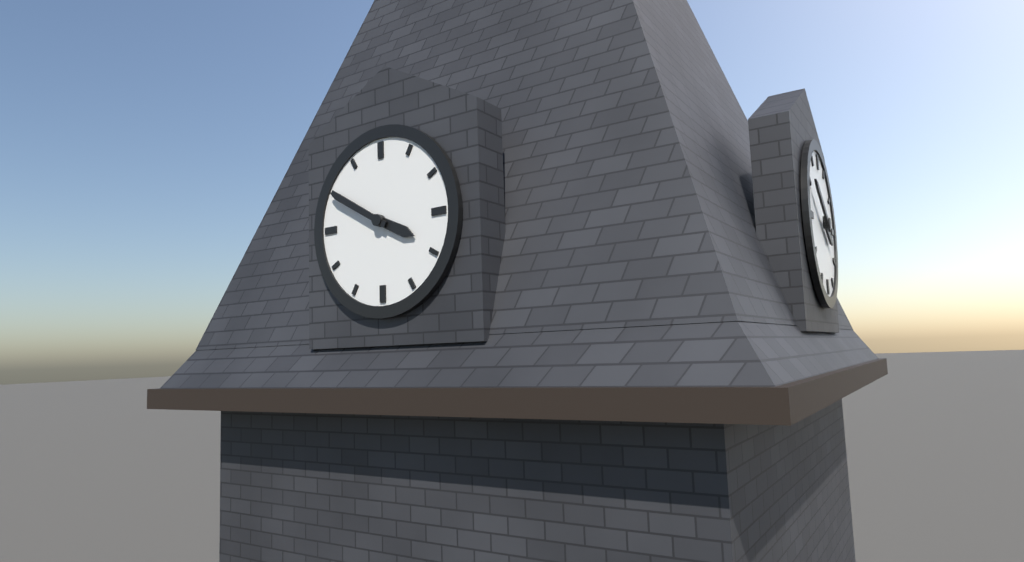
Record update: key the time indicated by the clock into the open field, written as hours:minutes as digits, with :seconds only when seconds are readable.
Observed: 3:50
